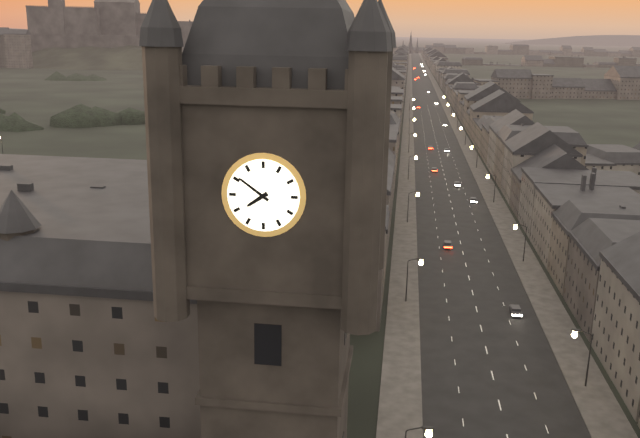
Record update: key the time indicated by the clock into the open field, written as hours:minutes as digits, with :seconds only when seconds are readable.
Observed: 7:51
